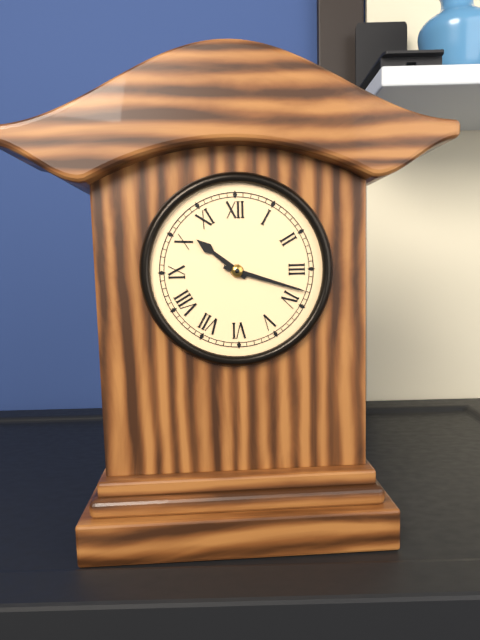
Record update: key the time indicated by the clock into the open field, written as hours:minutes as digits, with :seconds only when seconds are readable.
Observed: 10:18
